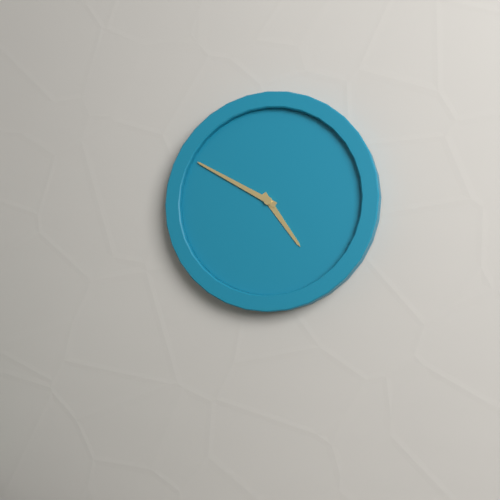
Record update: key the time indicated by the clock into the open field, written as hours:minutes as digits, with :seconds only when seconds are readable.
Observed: 4:50
